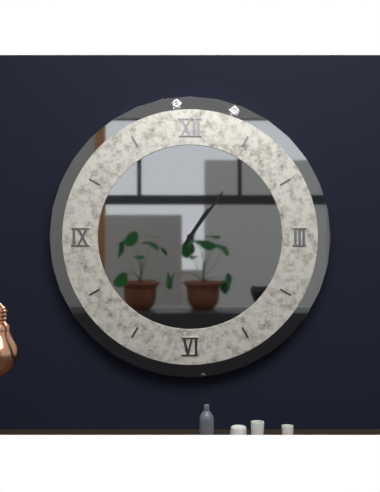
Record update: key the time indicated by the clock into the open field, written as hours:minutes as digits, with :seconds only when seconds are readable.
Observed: 1:06
